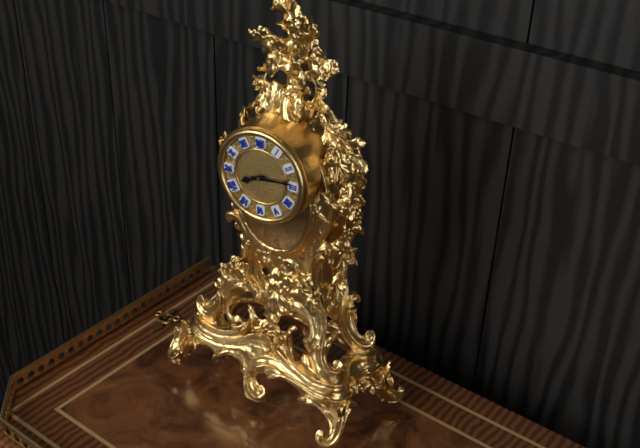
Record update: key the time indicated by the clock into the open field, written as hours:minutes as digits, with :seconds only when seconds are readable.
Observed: 8:14
